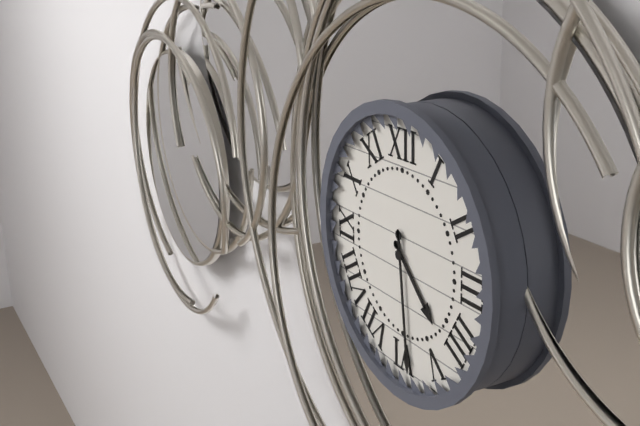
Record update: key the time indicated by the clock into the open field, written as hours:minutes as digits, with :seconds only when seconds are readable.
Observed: 4:29
